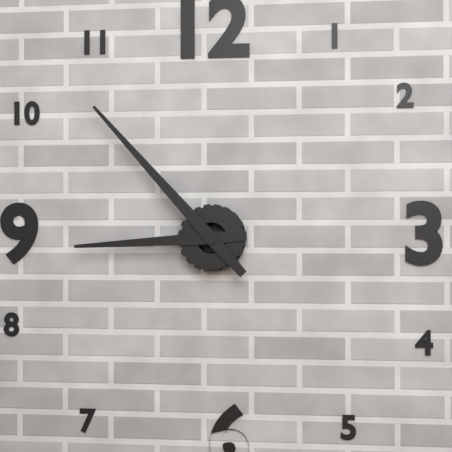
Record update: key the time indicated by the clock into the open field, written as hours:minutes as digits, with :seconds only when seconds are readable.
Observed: 8:53
